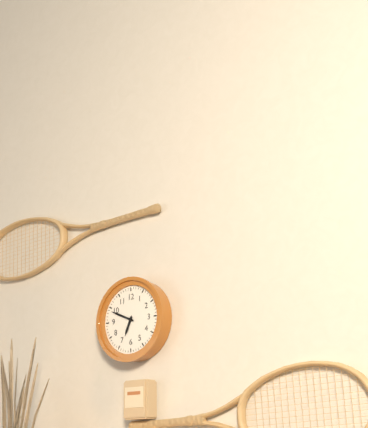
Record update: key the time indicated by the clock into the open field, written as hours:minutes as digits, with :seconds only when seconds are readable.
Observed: 6:49
